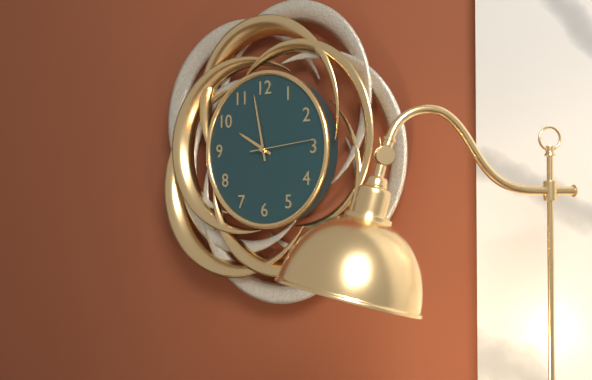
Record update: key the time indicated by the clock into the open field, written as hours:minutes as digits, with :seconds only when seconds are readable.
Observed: 9:58:14
